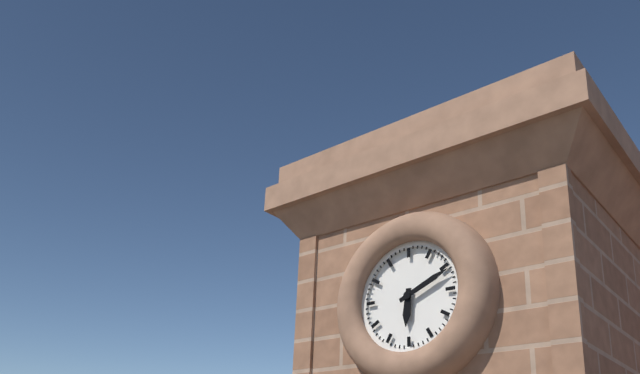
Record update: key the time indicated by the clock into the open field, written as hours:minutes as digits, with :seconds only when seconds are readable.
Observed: 6:11
